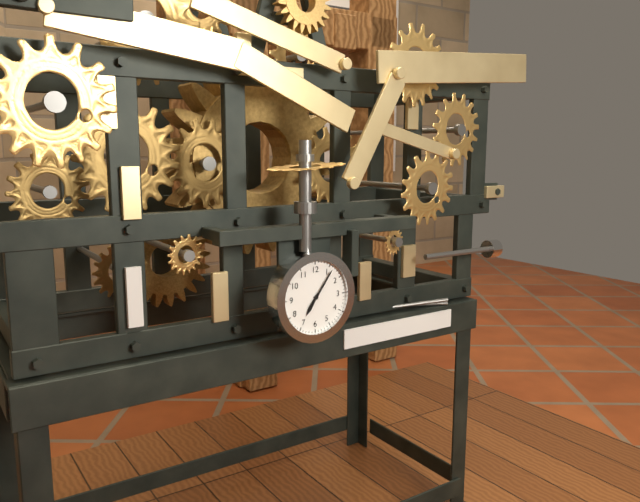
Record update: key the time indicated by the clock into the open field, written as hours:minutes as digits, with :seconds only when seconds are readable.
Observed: 7:06
